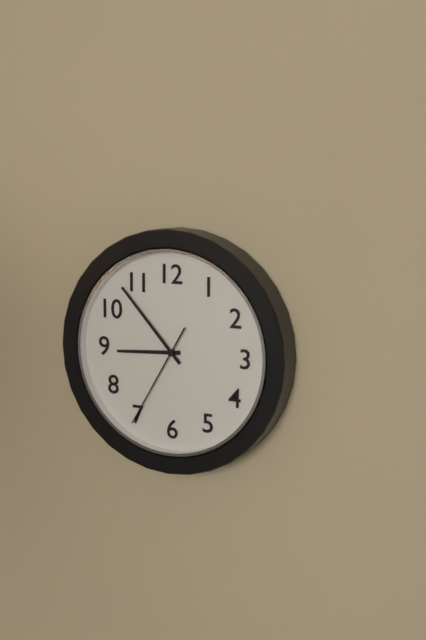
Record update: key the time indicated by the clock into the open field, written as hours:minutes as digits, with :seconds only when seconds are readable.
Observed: 8:53:35
